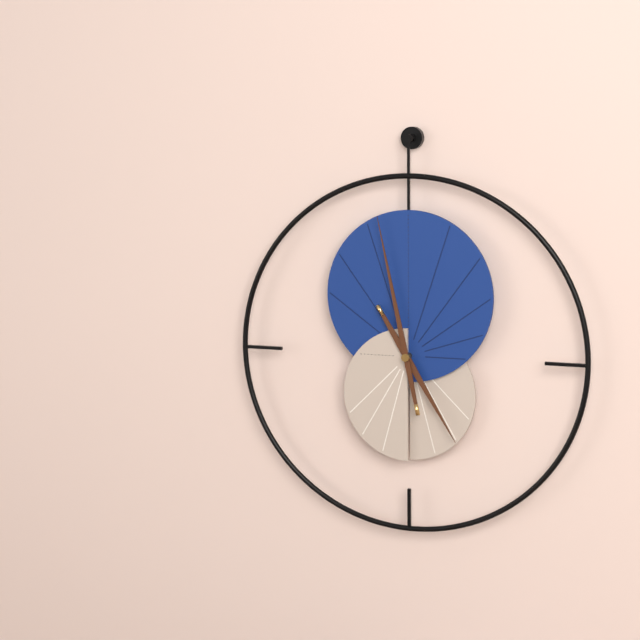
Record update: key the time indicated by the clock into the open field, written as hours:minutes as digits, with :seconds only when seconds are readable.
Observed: 4:58
